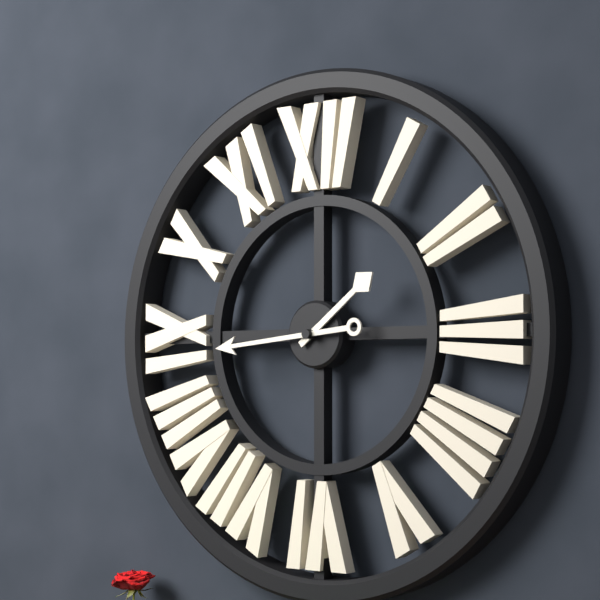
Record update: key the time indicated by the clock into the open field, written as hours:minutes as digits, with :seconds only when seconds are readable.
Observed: 1:44
